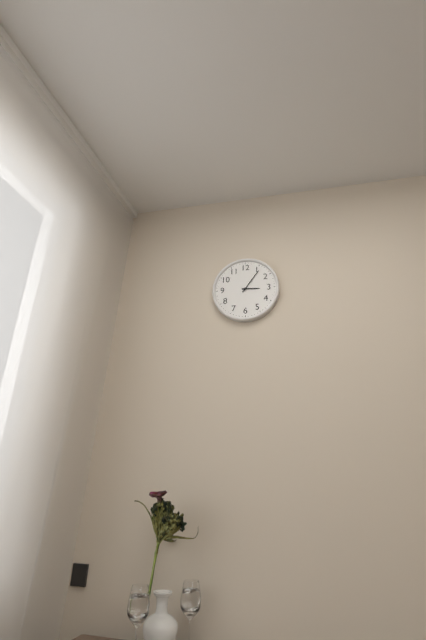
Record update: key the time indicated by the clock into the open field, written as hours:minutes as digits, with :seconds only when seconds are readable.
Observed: 3:06
